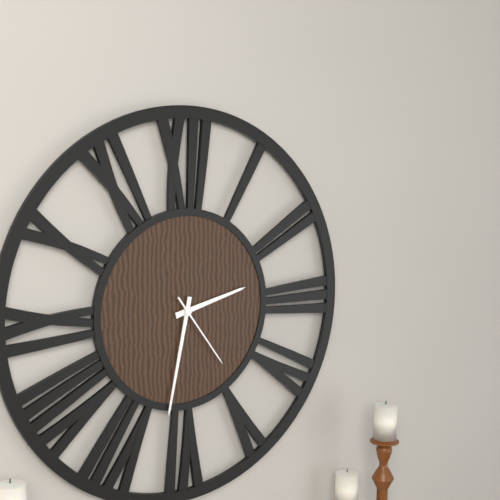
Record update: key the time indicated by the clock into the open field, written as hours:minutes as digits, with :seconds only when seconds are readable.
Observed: 2:32:24
